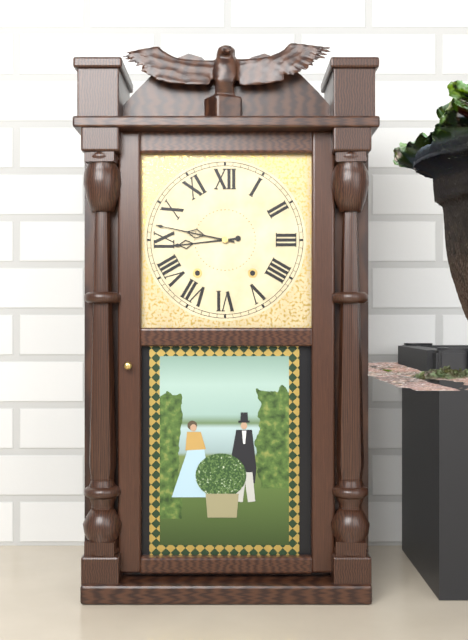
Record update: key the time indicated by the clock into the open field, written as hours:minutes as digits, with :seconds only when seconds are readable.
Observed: 8:47
